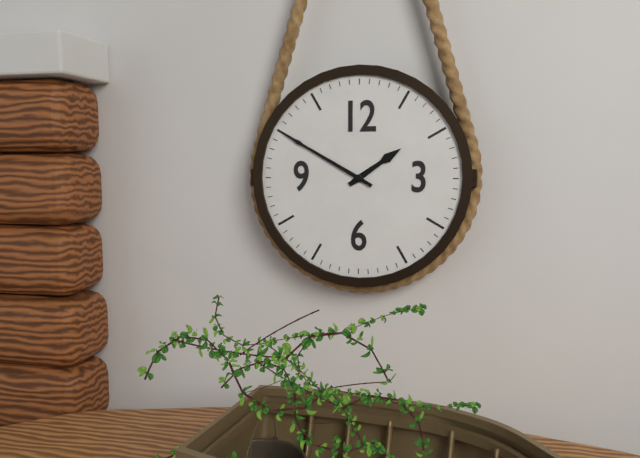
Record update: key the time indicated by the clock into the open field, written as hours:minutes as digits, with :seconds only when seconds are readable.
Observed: 1:50
